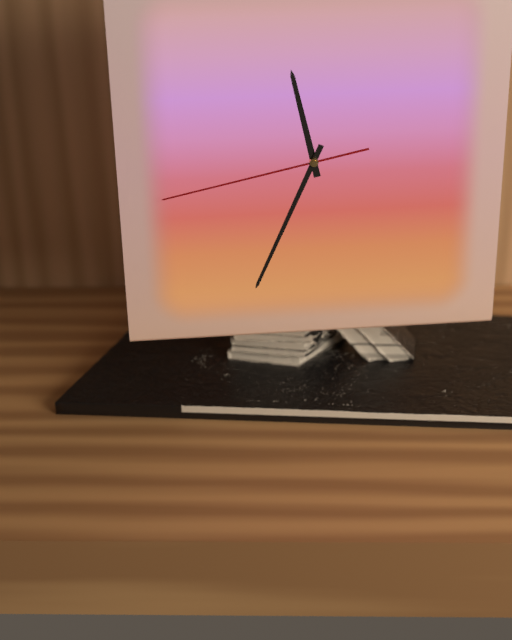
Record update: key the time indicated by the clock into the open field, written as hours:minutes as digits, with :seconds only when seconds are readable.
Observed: 11:34:43
